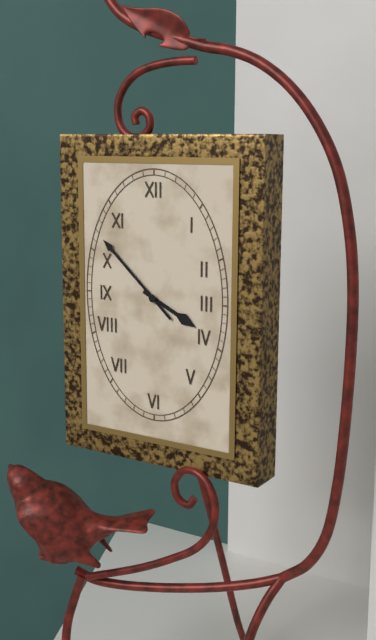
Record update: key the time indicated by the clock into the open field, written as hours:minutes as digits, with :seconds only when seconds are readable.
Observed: 3:52
